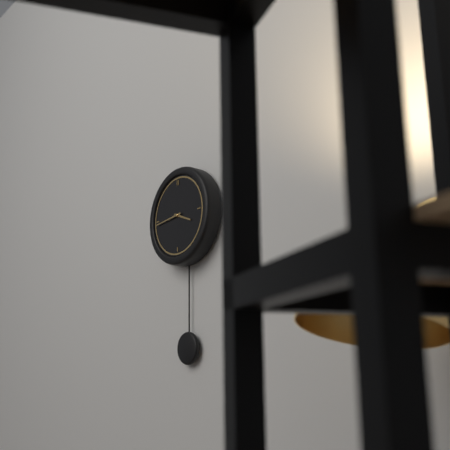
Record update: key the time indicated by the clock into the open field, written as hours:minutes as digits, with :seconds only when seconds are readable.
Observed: 3:44
